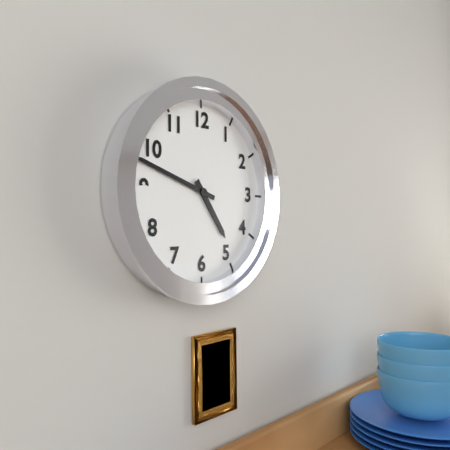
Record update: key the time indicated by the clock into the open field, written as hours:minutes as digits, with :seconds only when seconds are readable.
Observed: 4:48
